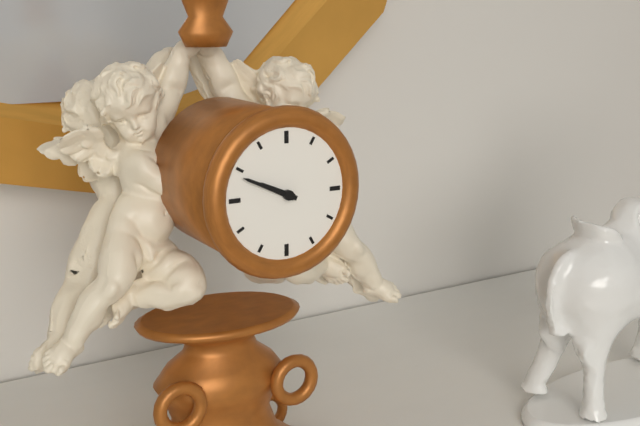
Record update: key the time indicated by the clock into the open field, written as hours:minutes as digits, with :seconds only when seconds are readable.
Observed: 9:49
